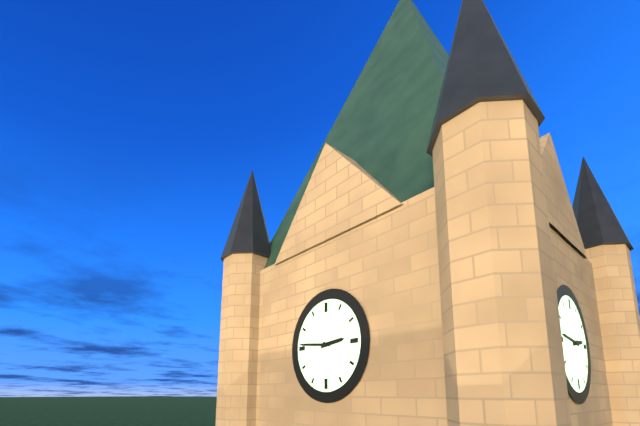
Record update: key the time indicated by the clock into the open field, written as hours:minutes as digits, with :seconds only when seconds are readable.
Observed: 2:46
